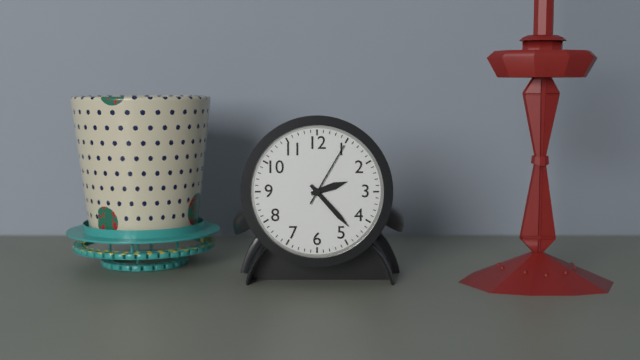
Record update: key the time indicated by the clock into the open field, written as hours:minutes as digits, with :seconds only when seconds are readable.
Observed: 2:23:05
